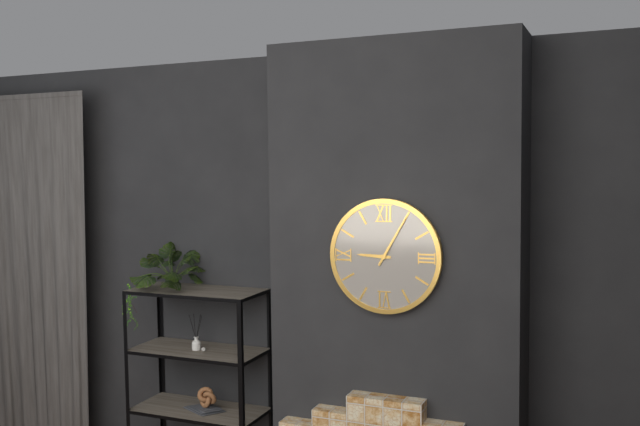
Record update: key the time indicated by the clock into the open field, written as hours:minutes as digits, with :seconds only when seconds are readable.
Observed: 9:05
